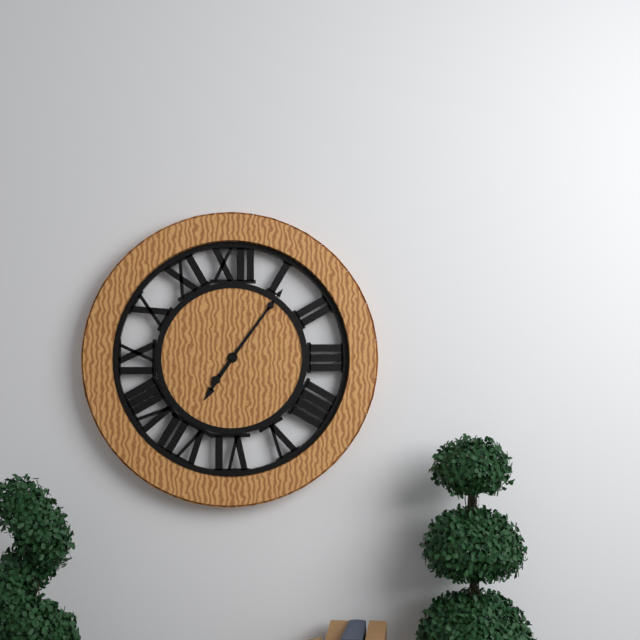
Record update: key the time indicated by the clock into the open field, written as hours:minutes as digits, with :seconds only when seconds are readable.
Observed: 7:06
